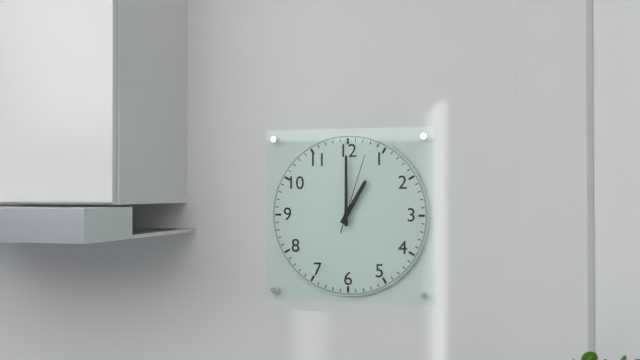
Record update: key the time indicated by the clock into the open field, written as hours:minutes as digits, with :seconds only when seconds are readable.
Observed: 1:00:03
